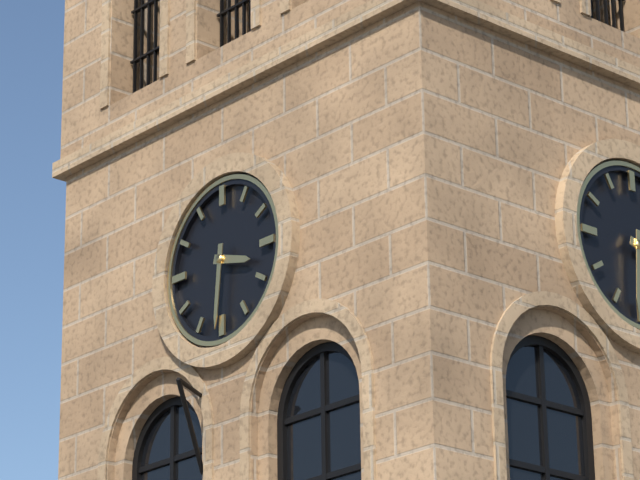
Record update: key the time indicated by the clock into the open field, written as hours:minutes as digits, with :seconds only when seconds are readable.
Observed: 3:31
